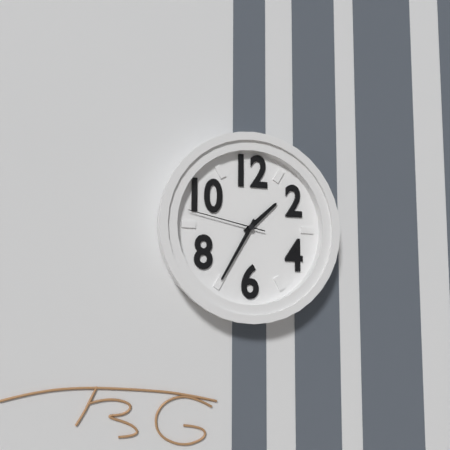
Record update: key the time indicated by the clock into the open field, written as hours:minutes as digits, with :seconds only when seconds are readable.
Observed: 1:35:47
